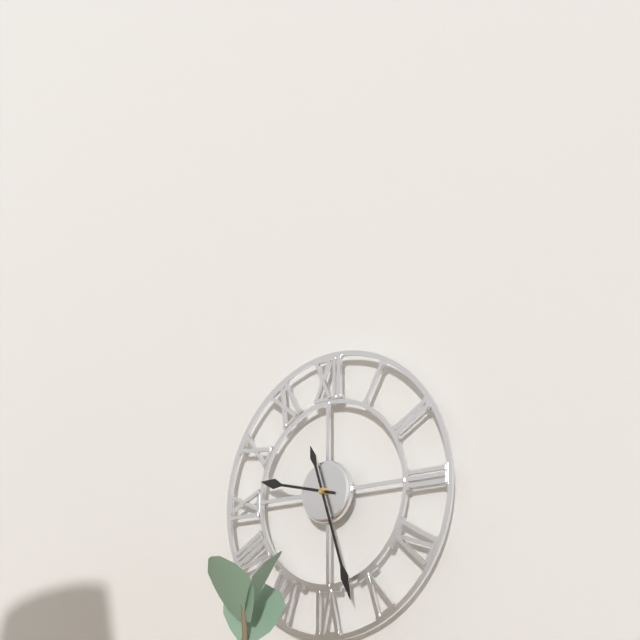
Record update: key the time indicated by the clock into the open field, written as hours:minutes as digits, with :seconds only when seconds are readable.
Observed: 9:27
